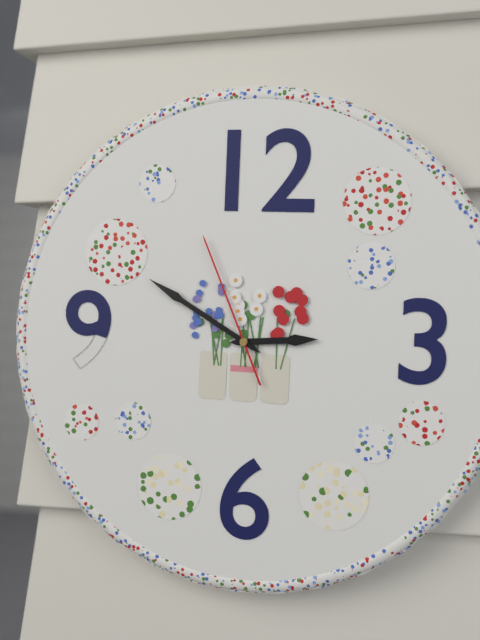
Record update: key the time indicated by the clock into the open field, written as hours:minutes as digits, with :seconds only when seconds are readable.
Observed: 2:50:56
